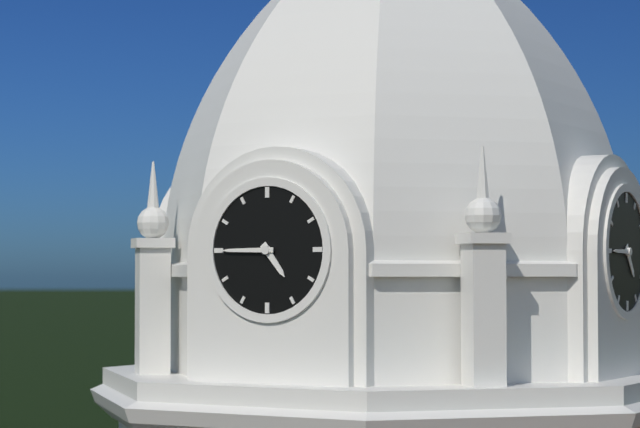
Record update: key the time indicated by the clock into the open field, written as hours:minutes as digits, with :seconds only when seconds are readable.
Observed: 4:45
